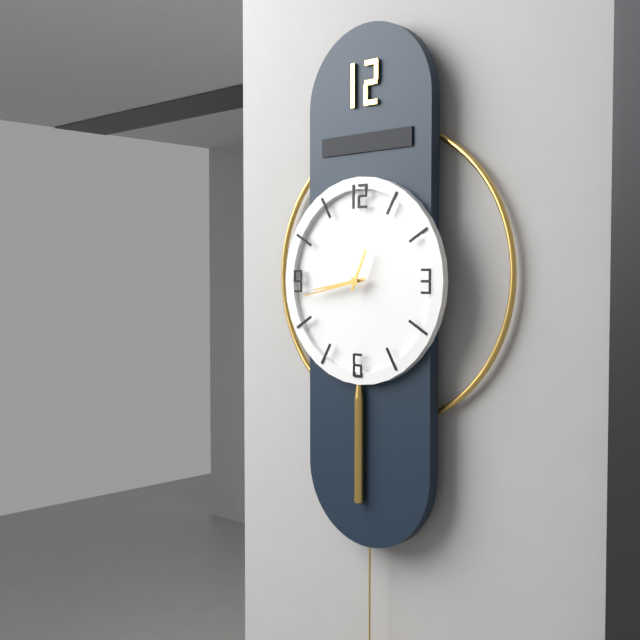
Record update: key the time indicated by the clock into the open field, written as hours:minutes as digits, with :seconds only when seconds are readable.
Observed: 8:43
